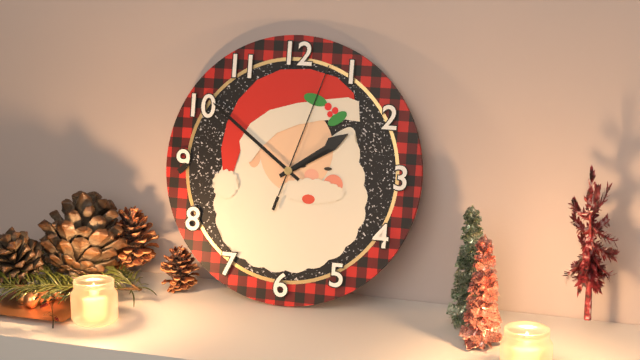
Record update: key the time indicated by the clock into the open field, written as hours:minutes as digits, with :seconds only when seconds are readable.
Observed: 1:51:03
